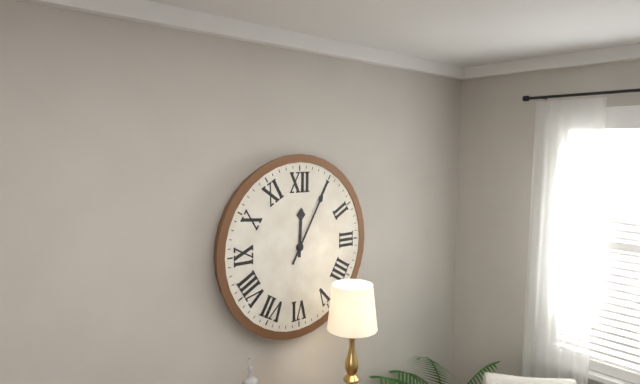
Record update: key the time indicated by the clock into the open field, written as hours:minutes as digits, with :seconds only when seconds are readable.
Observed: 12:05
